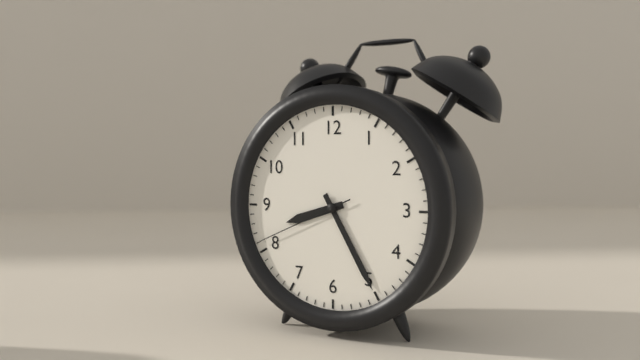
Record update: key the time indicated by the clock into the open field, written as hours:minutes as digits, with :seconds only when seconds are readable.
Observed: 8:25:41
